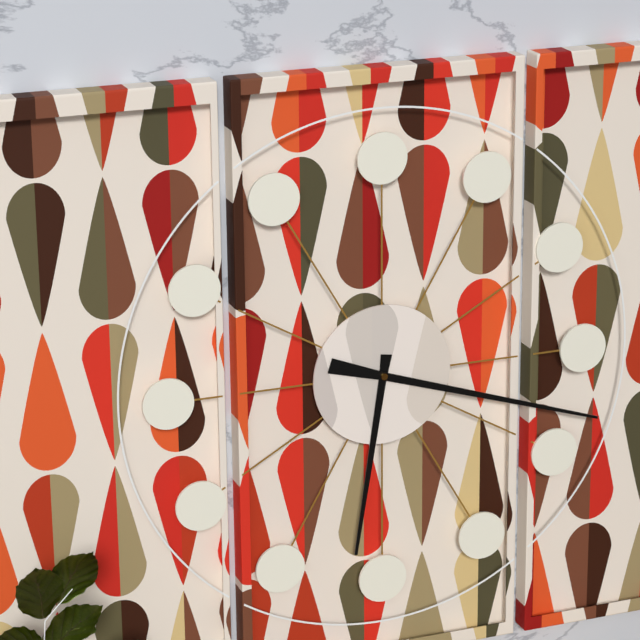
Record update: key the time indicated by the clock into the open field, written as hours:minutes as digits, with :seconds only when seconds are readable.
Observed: 6:18
